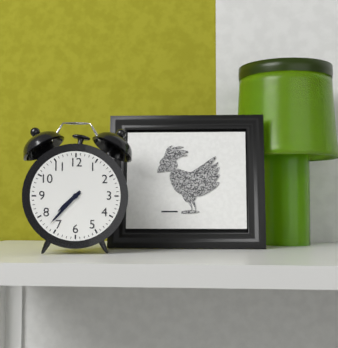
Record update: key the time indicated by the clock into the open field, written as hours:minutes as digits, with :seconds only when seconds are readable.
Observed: 7:37
